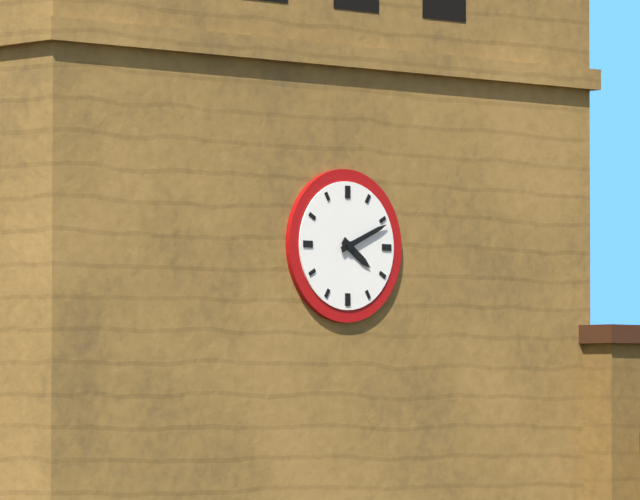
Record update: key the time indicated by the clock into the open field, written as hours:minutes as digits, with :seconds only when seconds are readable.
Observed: 4:11
